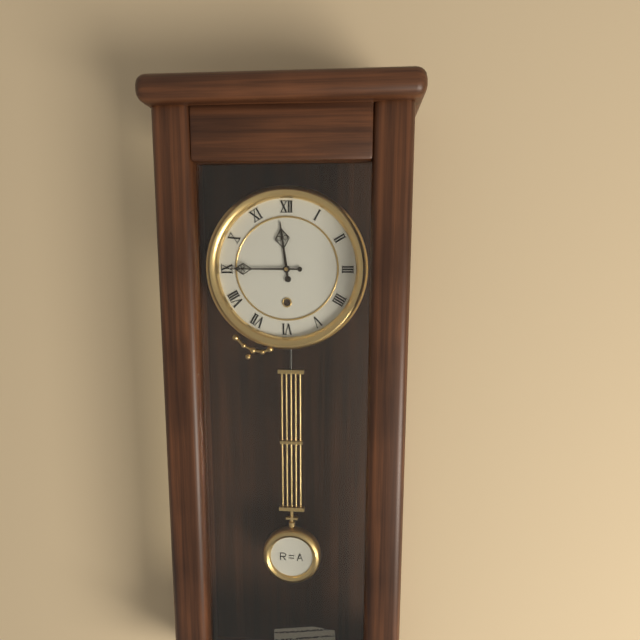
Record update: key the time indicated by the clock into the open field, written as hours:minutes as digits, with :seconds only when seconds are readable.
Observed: 11:45
